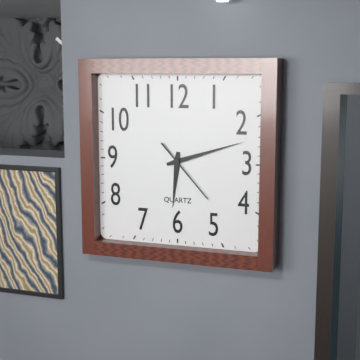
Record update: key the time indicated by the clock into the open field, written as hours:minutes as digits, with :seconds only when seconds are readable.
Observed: 6:12:23
